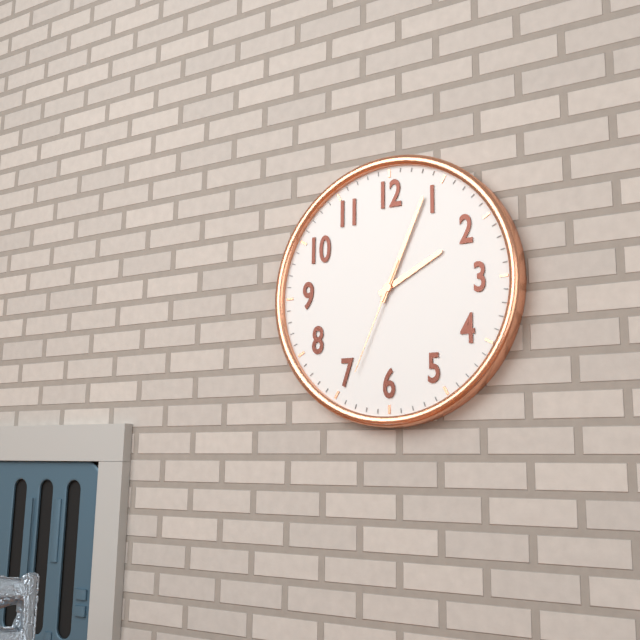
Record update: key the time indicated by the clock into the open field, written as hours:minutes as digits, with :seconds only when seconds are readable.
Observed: 2:04:34
